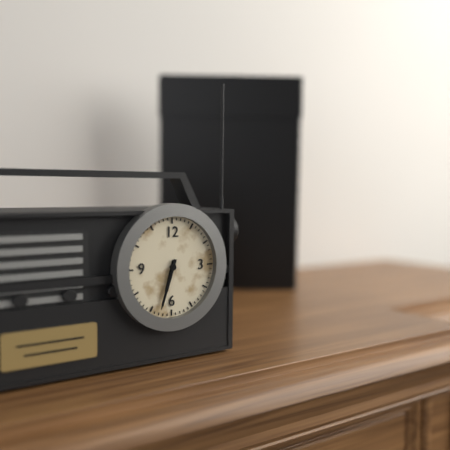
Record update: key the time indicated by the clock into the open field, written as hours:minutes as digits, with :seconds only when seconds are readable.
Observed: 6:33
